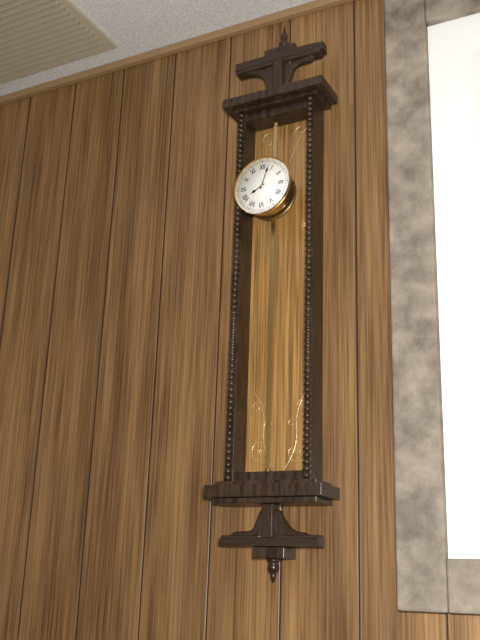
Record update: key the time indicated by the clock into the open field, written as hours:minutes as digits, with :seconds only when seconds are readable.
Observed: 8:03
